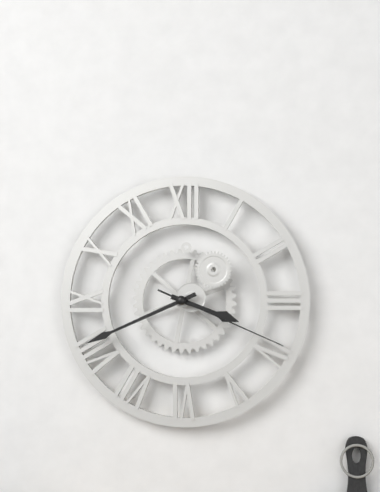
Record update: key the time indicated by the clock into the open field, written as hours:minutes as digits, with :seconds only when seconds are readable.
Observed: 3:41:19
